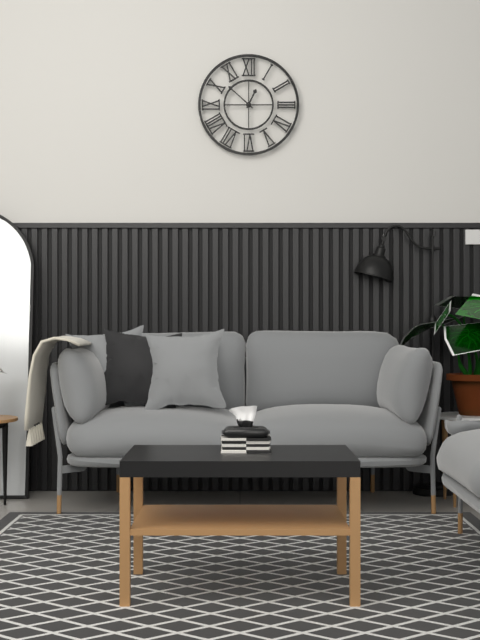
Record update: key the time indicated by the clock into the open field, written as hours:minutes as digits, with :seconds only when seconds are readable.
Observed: 12:52
